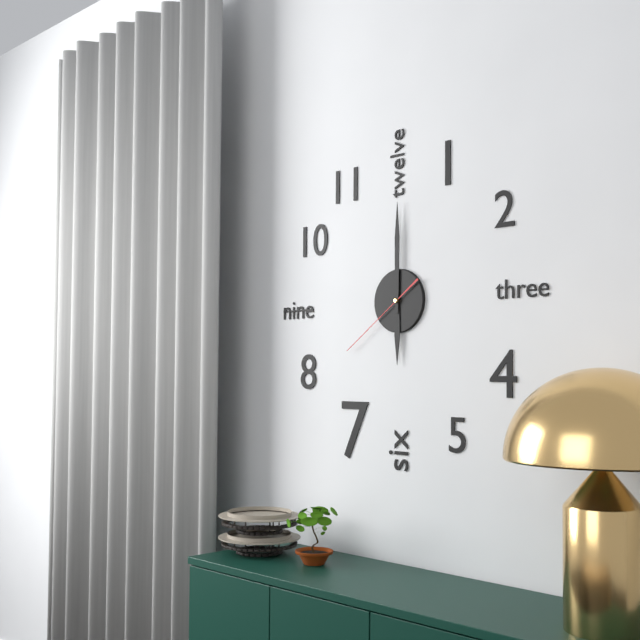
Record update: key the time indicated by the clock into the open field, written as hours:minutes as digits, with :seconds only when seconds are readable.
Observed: 6:00:39
